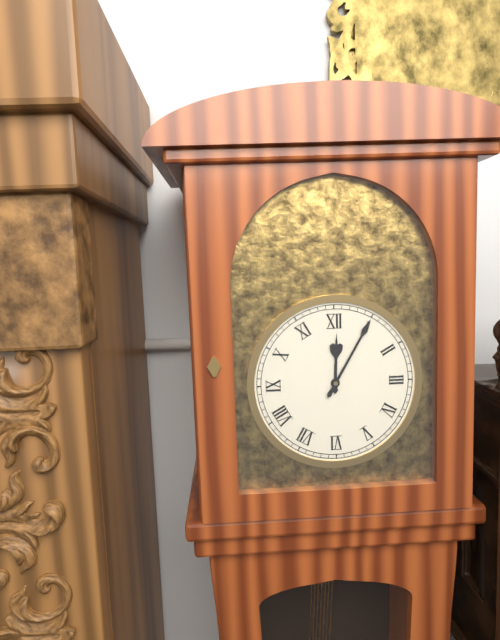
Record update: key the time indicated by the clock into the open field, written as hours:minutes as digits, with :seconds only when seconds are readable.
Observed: 12:05
